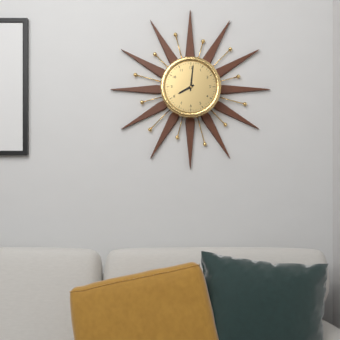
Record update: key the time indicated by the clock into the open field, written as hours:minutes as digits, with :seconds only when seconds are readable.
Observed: 8:01
